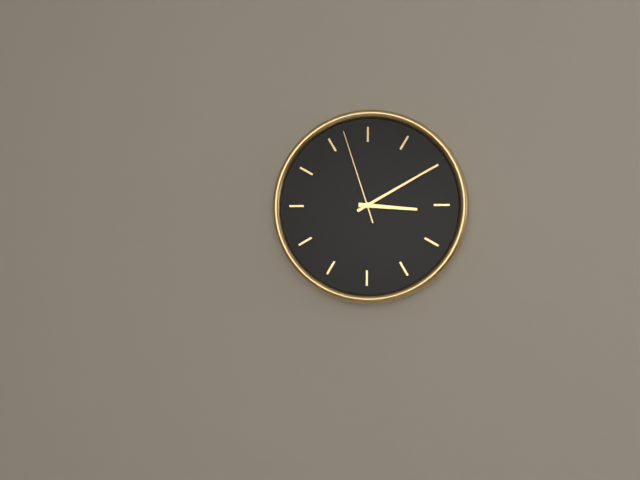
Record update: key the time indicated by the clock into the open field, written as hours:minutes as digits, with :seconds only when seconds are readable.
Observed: 3:10:57
